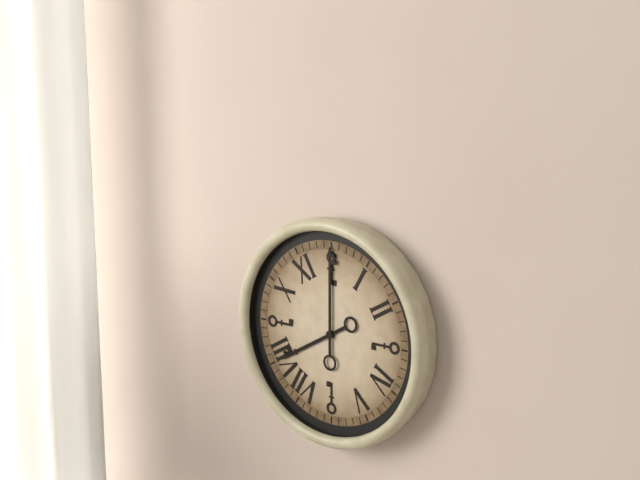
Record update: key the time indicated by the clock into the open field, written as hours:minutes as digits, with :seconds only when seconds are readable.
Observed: 8:00
